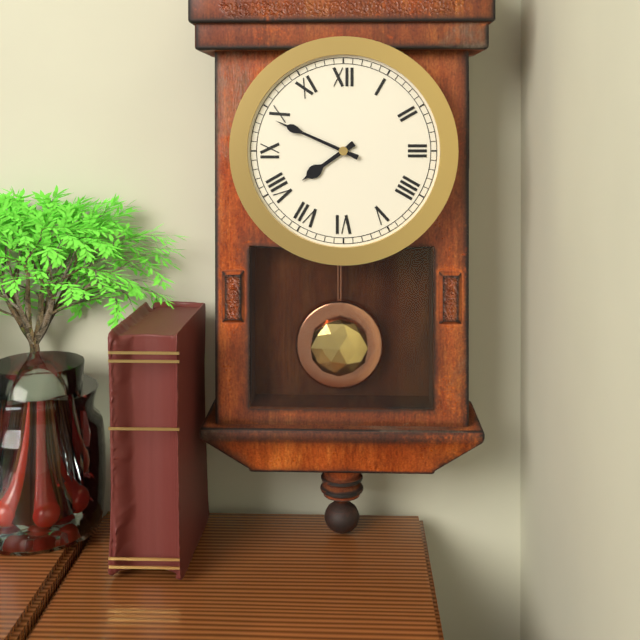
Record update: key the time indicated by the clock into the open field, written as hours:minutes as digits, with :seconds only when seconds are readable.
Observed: 7:49
